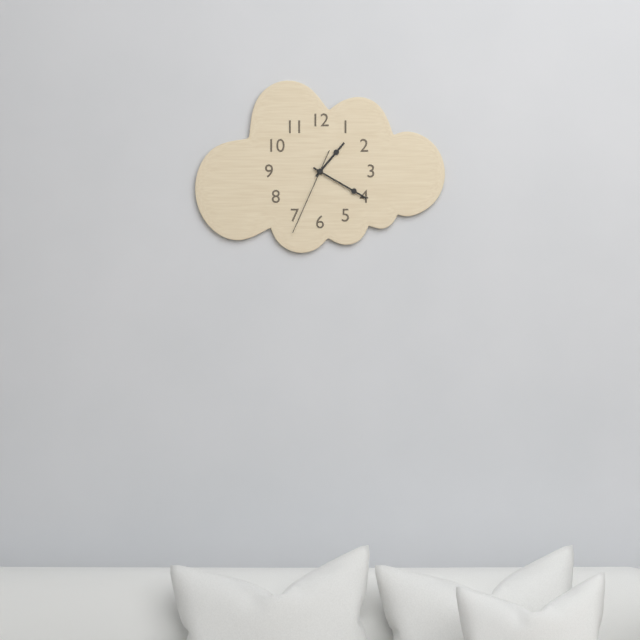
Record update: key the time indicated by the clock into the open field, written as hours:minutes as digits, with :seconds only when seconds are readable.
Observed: 1:20:34
